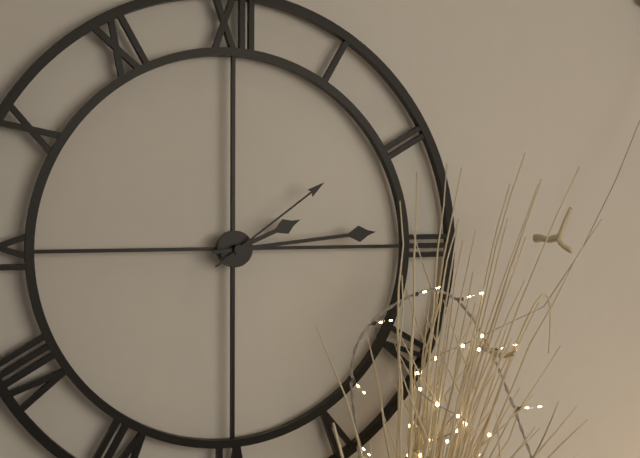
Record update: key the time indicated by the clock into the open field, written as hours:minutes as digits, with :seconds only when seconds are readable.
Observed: 2:14:09
